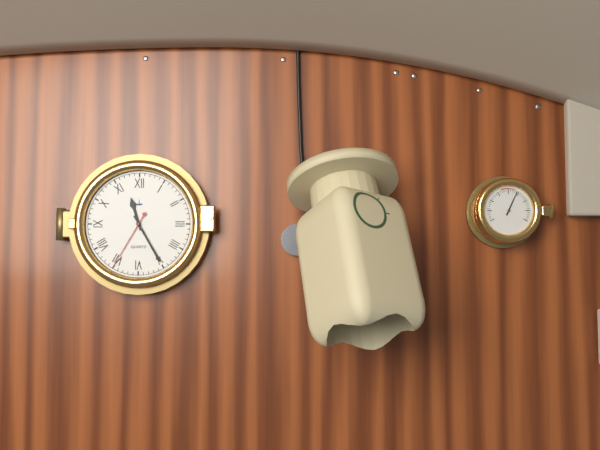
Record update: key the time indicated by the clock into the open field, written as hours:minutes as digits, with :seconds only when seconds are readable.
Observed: 11:25:35
